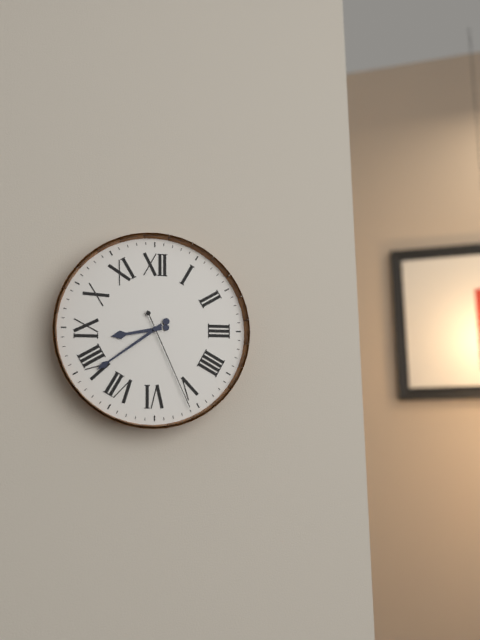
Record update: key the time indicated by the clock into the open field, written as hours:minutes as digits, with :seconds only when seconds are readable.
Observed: 8:39:26
